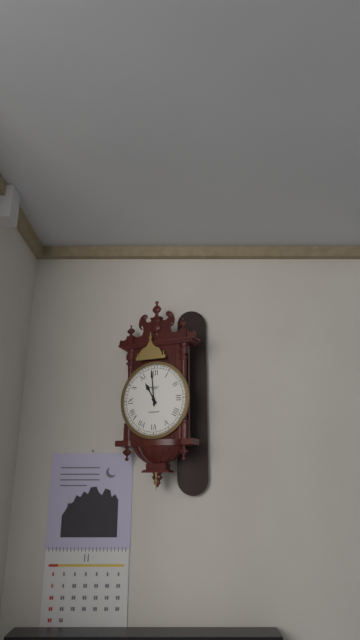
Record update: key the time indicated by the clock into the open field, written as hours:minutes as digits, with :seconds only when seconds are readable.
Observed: 10:59
